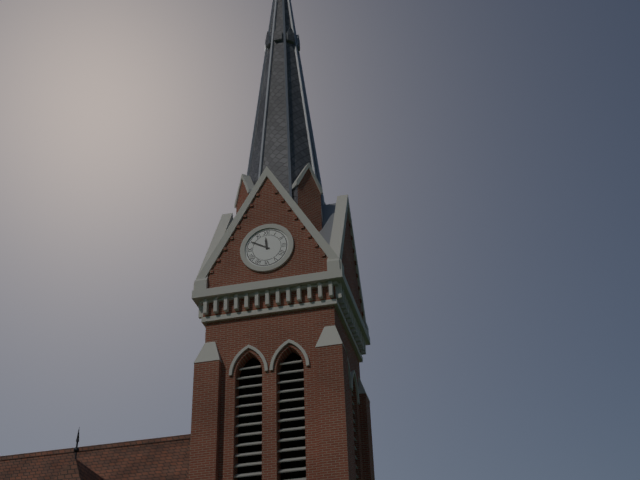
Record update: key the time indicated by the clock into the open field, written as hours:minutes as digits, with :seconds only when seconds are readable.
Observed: 11:50
